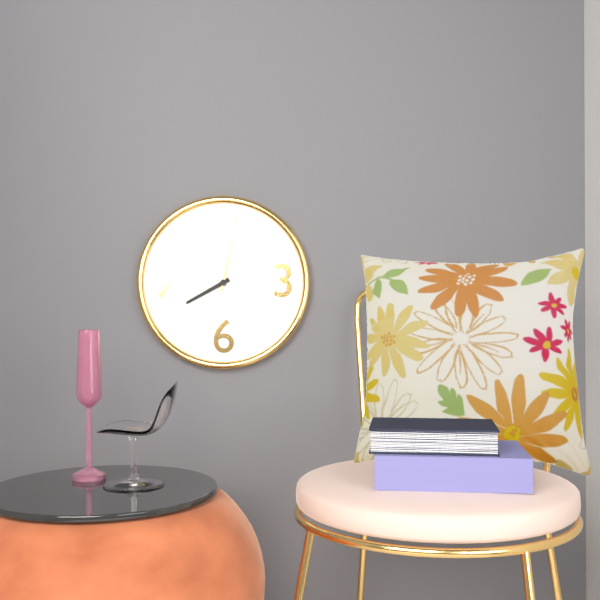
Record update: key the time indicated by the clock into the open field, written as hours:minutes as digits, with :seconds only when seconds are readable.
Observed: 8:02
